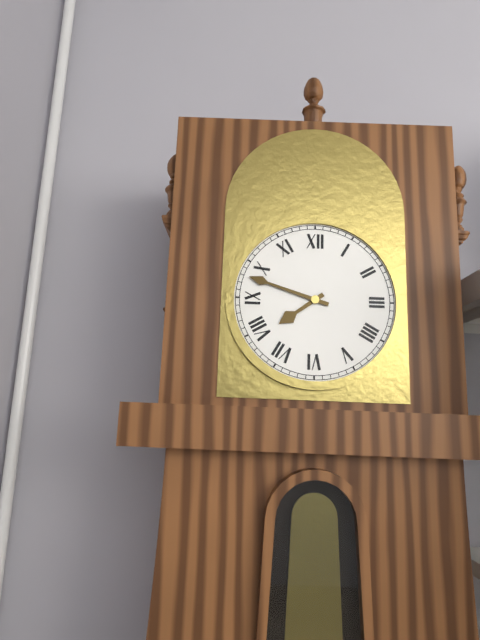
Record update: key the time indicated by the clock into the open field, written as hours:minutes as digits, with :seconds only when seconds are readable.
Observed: 7:48
